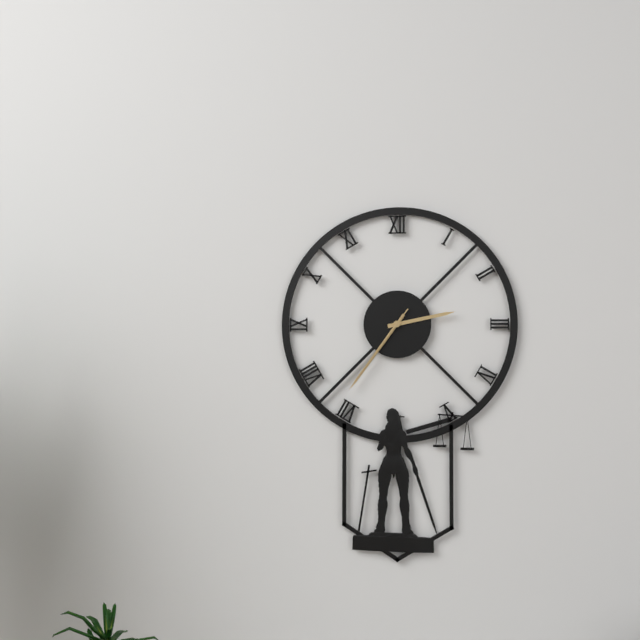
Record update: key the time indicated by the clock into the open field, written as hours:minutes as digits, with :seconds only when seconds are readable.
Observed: 2:36:36
